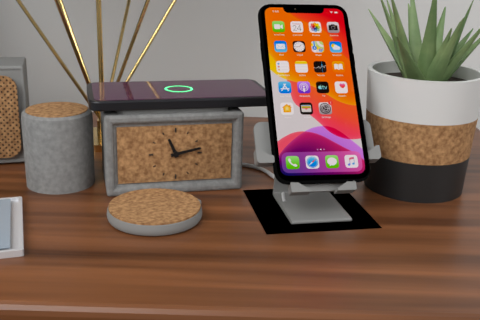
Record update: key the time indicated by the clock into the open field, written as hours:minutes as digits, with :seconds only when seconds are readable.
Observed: 11:13
